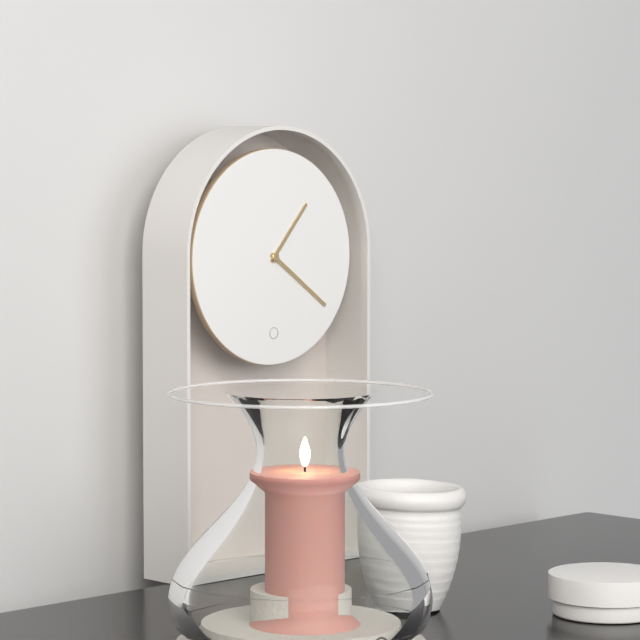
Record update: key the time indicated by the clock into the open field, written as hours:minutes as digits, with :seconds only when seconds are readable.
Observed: 1:21
